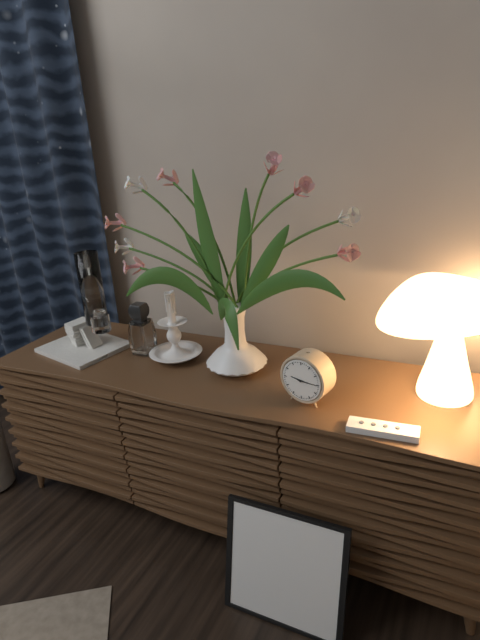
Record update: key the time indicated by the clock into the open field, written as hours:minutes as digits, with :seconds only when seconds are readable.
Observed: 9:15
